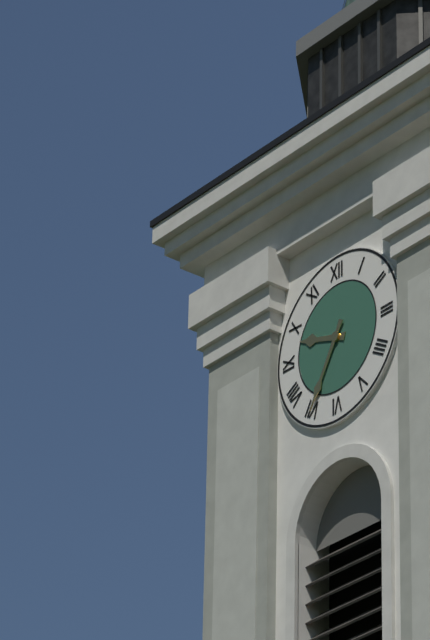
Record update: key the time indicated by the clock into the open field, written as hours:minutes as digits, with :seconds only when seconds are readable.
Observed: 9:35
